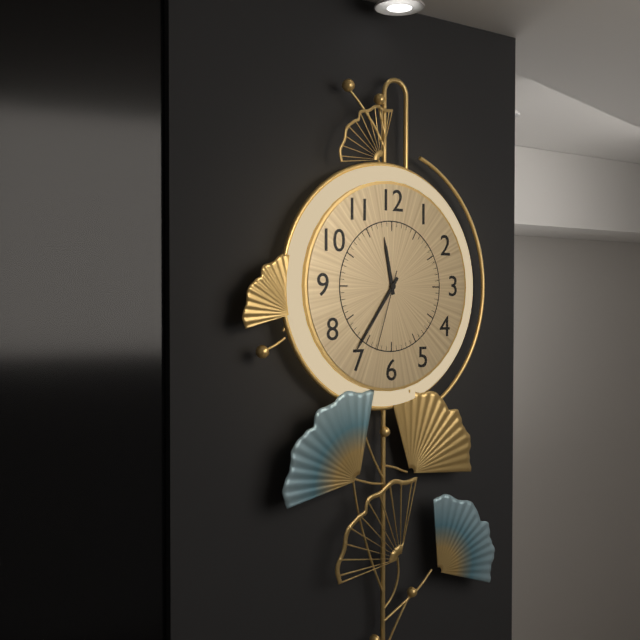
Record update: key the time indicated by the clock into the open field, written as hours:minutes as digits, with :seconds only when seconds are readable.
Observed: 11:36:33
